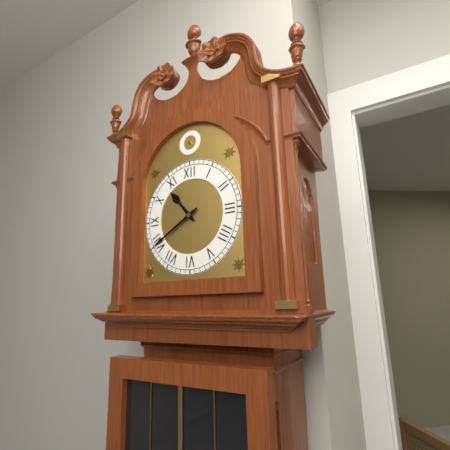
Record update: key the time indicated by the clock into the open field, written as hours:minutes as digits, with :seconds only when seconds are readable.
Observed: 10:40
